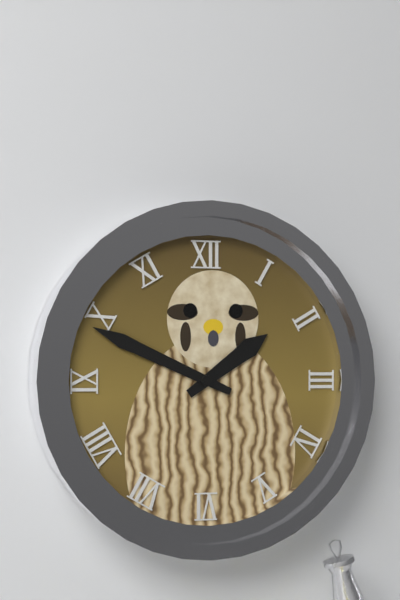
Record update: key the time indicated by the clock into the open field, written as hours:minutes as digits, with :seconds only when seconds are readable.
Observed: 1:49
